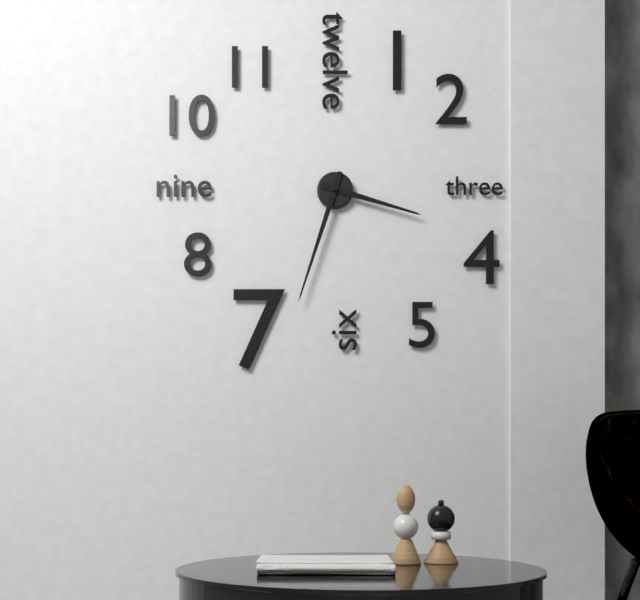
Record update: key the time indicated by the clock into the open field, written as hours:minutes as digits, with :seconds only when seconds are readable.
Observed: 3:33
